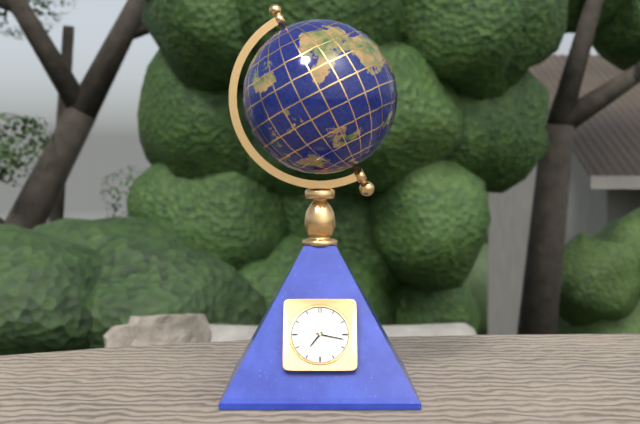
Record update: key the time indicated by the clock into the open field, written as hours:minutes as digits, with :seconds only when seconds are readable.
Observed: 7:17
